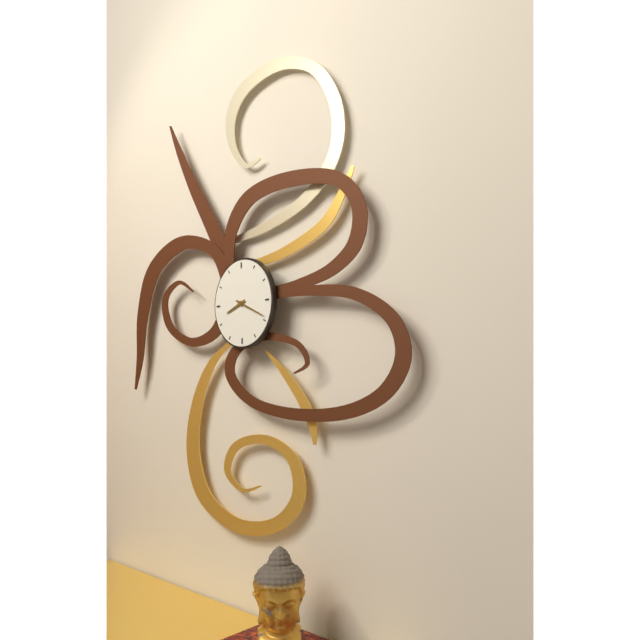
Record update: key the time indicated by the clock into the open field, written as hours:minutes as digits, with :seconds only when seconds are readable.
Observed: 8:19
